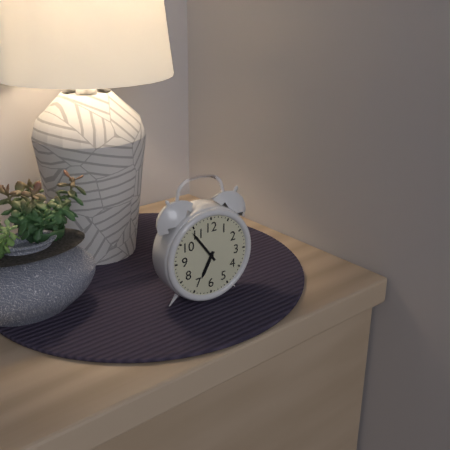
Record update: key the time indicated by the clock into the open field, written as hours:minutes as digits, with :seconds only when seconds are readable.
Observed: 6:54
